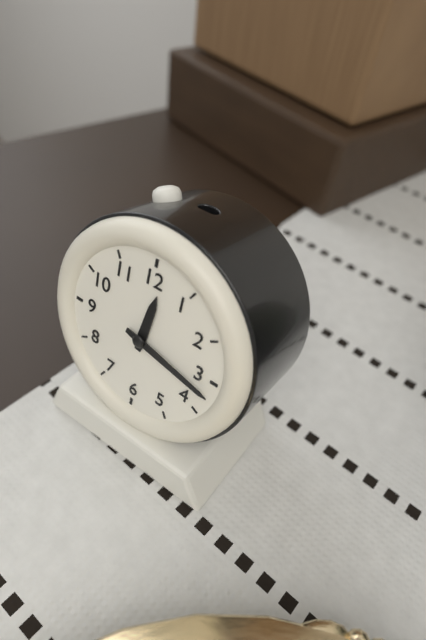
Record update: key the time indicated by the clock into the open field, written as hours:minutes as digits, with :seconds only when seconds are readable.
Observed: 12:17
